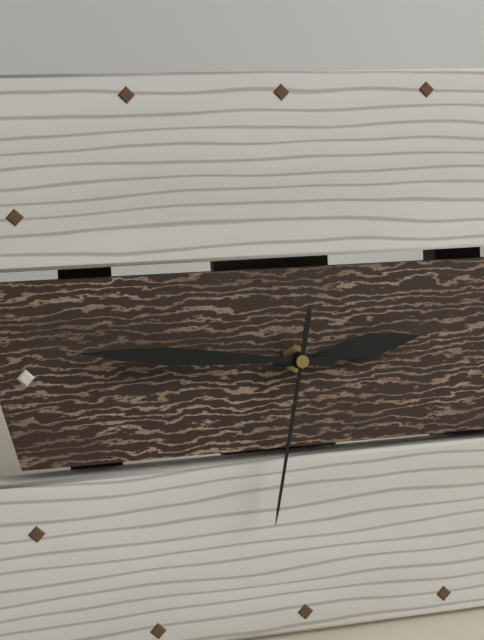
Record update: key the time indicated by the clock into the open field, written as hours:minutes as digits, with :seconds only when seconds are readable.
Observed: 2:46:32
